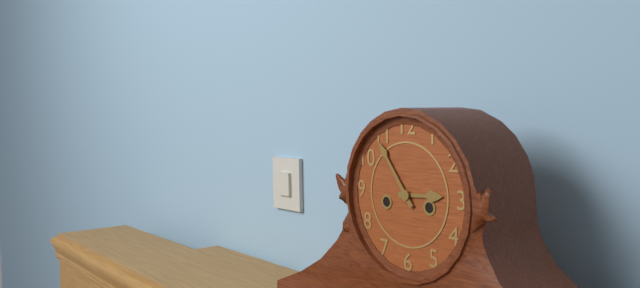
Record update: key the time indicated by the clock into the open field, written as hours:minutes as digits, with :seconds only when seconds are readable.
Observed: 2:54
